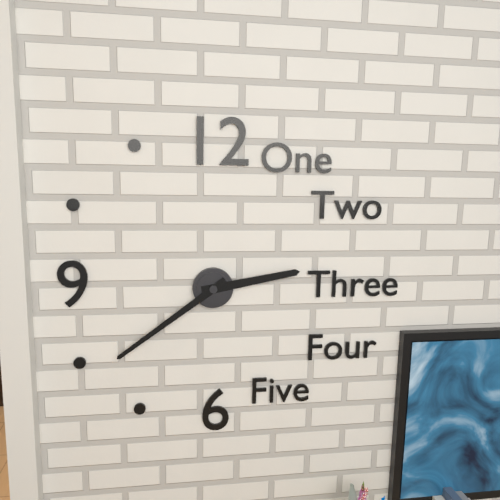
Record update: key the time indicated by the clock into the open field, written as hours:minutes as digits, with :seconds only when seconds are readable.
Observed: 2:39
